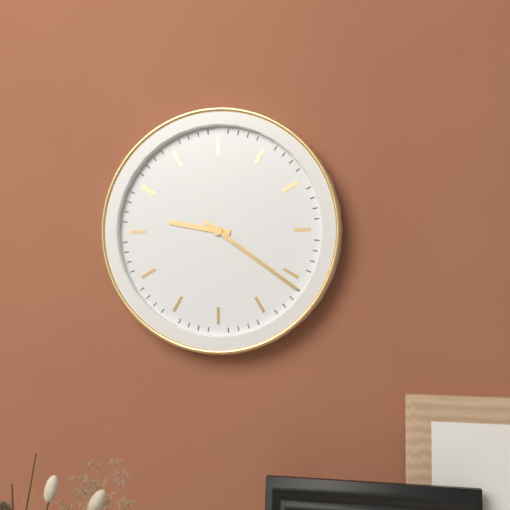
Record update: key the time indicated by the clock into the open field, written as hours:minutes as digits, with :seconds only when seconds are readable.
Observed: 9:21
